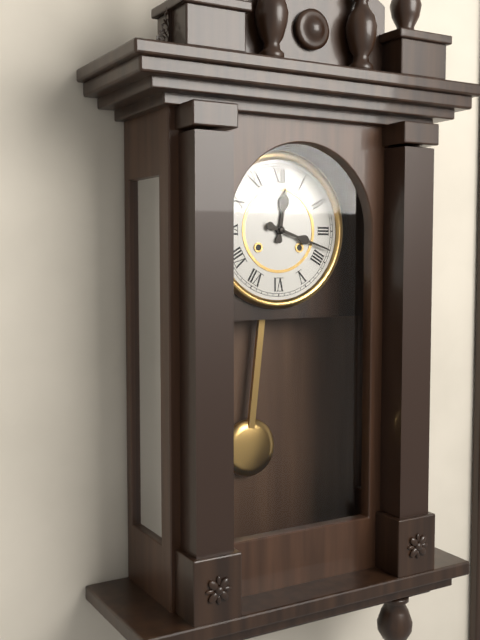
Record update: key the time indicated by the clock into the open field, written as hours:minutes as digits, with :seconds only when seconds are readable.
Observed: 12:18
